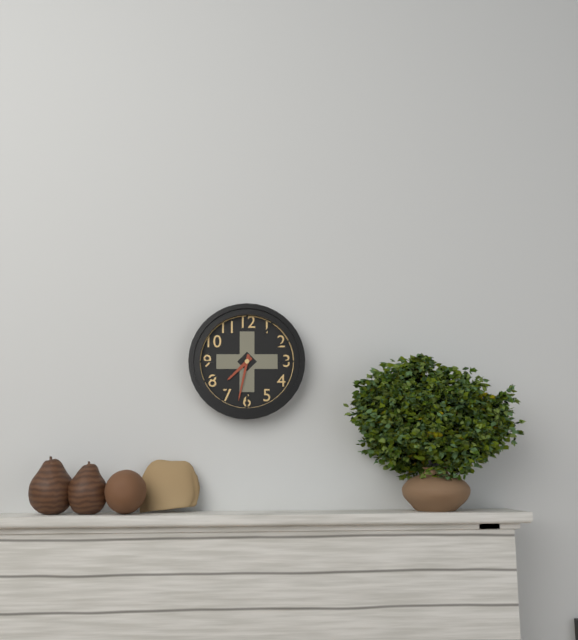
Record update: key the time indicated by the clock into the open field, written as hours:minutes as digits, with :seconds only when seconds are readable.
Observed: 7:32
